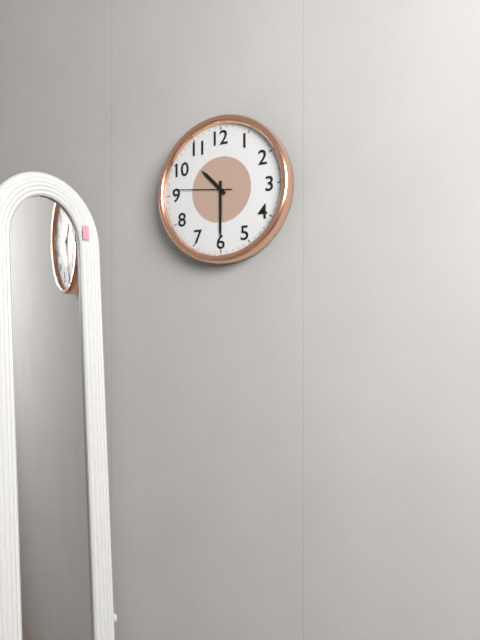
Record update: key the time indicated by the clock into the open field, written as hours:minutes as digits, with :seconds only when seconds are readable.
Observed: 10:30:46
